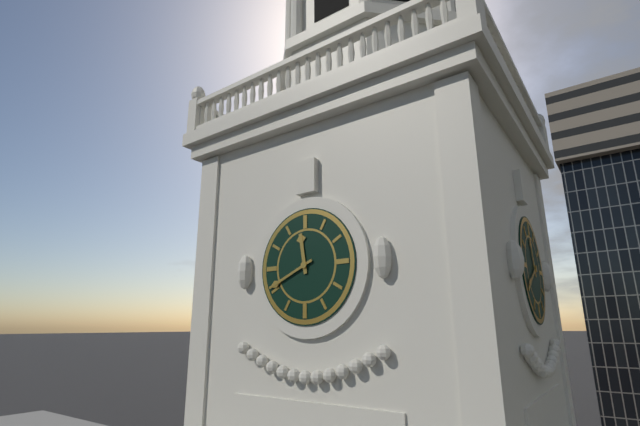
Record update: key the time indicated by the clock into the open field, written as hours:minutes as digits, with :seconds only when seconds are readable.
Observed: 11:41
